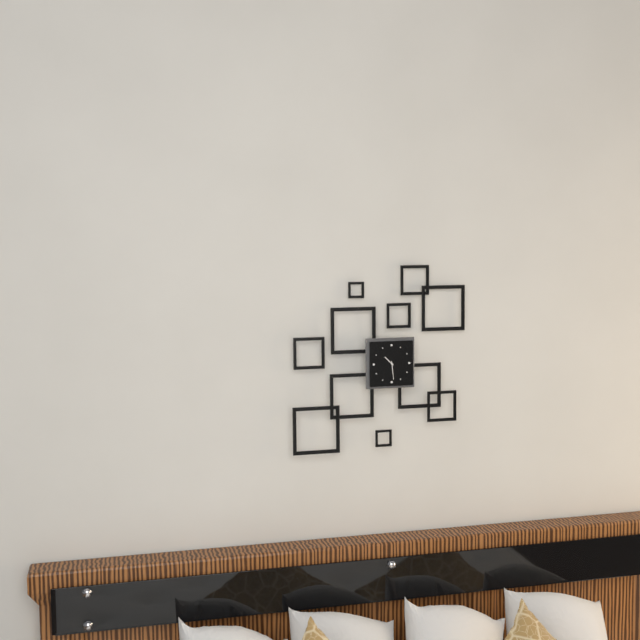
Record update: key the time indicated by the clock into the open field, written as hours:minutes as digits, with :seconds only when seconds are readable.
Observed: 10:29
